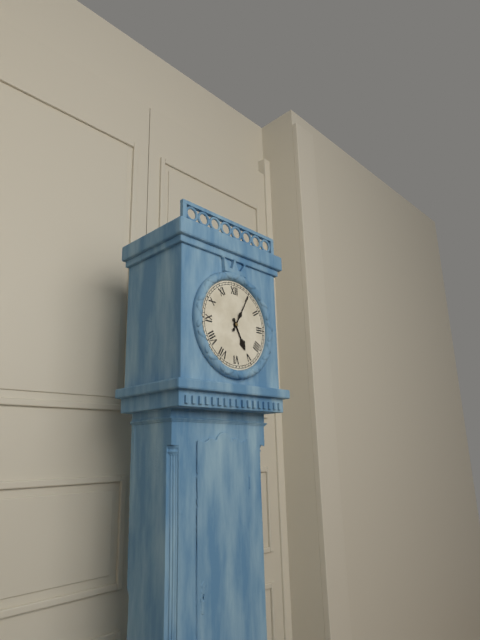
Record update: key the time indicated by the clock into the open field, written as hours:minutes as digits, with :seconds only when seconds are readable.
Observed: 5:05
